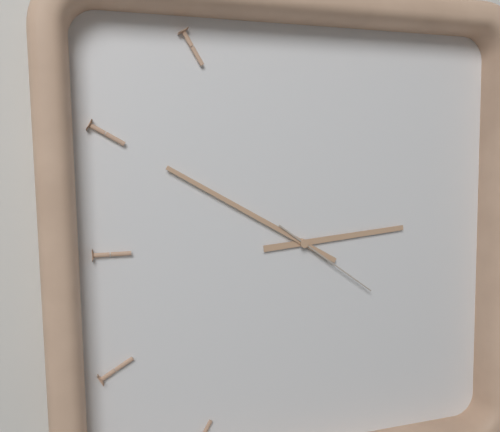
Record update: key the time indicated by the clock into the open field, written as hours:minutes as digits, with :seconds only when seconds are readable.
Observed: 2:50:21
